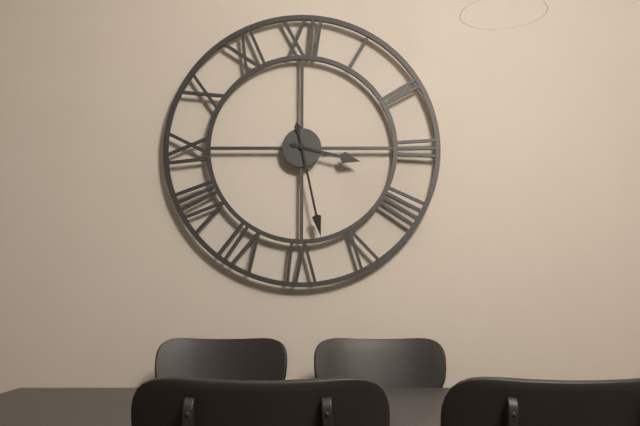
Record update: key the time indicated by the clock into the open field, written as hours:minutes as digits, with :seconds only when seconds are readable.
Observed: 3:28
